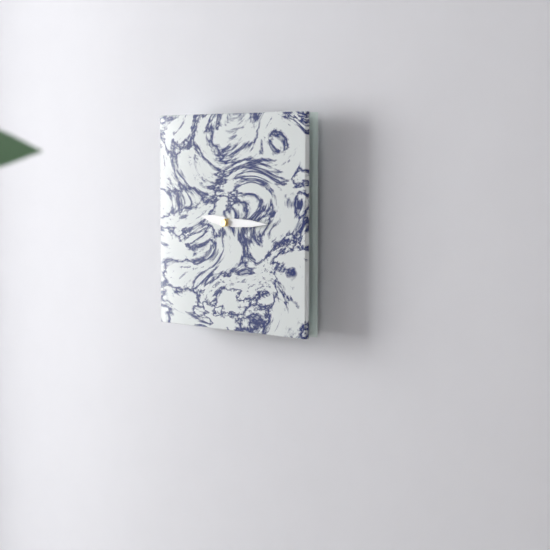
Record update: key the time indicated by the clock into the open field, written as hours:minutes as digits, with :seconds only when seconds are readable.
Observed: 9:15
